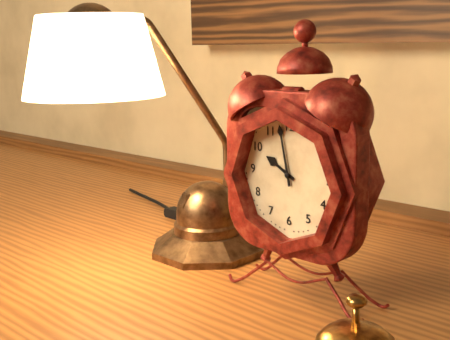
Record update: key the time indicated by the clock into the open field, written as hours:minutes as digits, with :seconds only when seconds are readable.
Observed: 9:58
